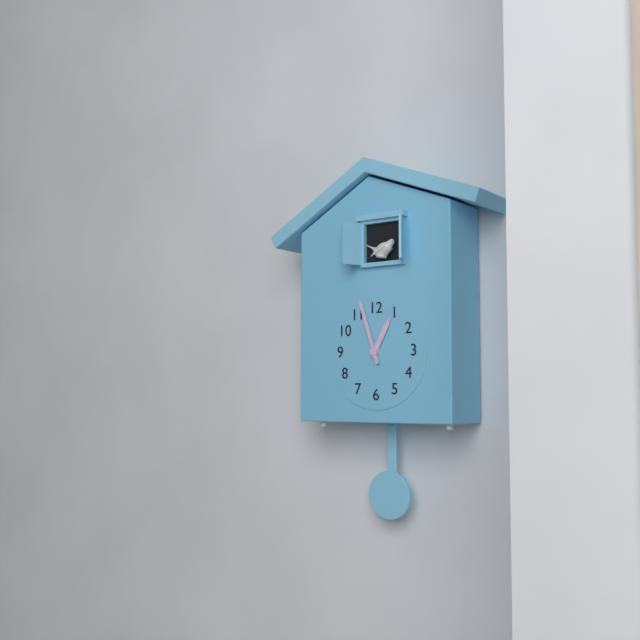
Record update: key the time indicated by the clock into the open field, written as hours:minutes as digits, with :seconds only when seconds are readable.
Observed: 12:57
